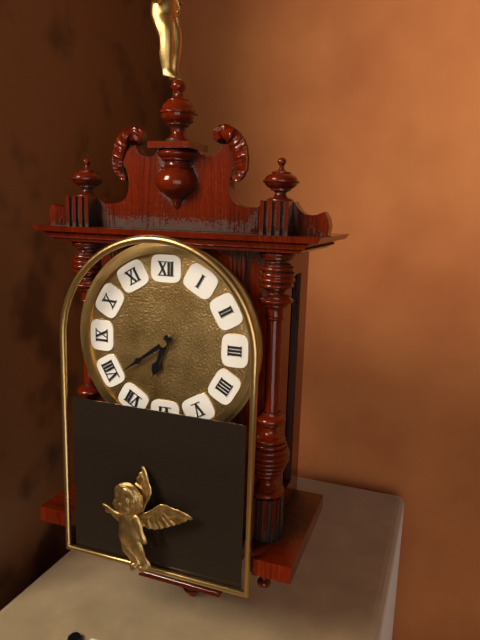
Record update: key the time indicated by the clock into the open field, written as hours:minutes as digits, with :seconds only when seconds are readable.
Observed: 6:39
